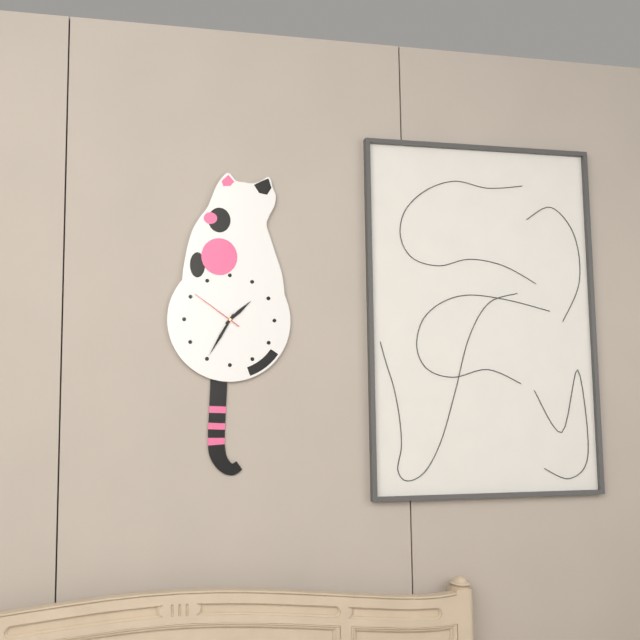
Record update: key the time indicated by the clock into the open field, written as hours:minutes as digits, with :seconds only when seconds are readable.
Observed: 1:35:51
